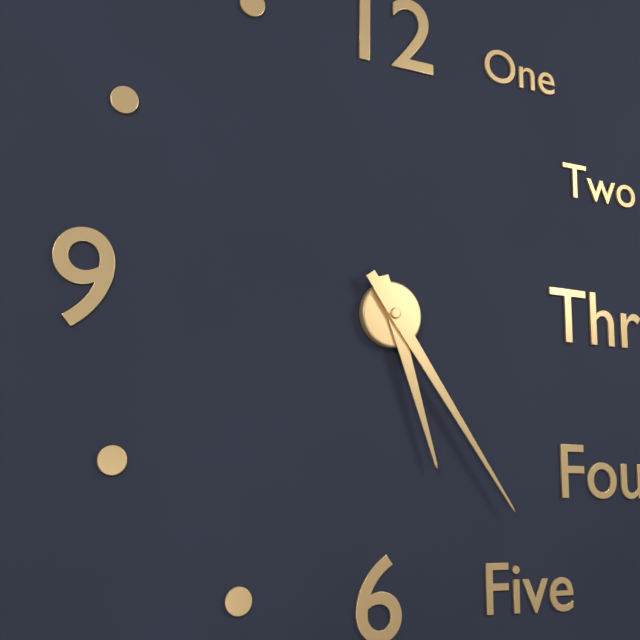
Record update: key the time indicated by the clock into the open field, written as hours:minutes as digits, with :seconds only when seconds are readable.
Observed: 5:24
